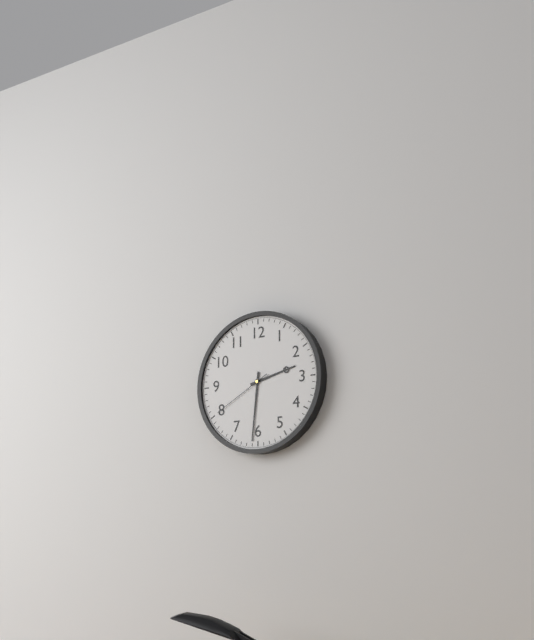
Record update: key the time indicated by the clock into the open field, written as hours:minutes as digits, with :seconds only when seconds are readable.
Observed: 2:31:40
